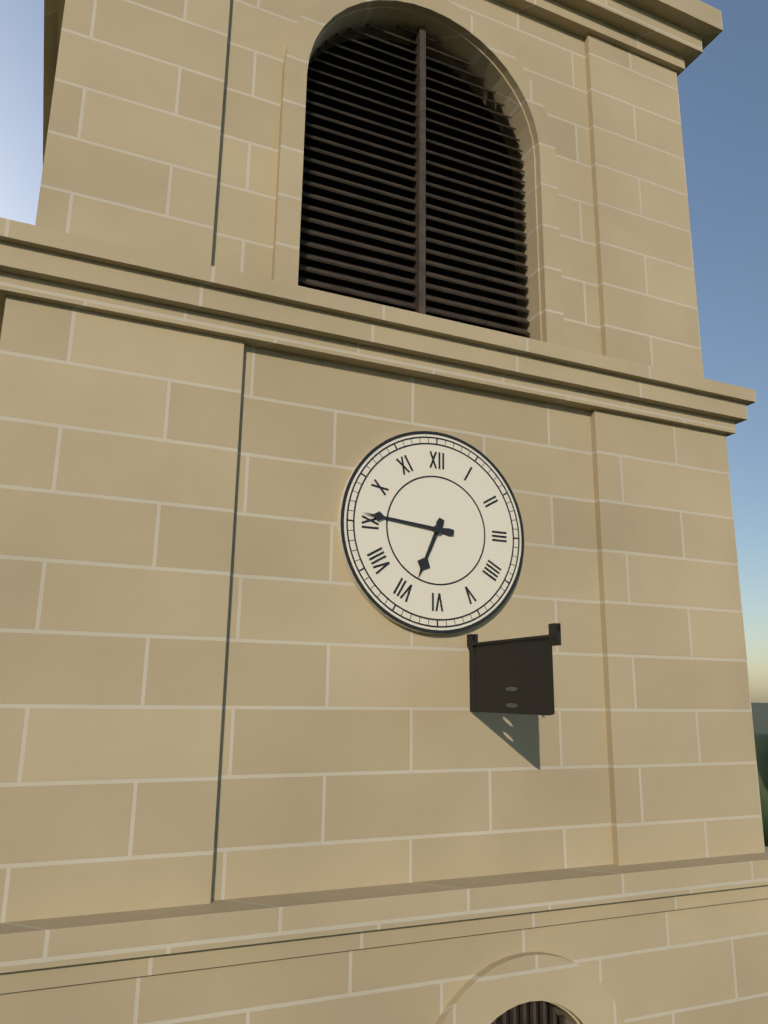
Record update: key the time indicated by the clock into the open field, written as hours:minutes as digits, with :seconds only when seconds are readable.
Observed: 6:46
